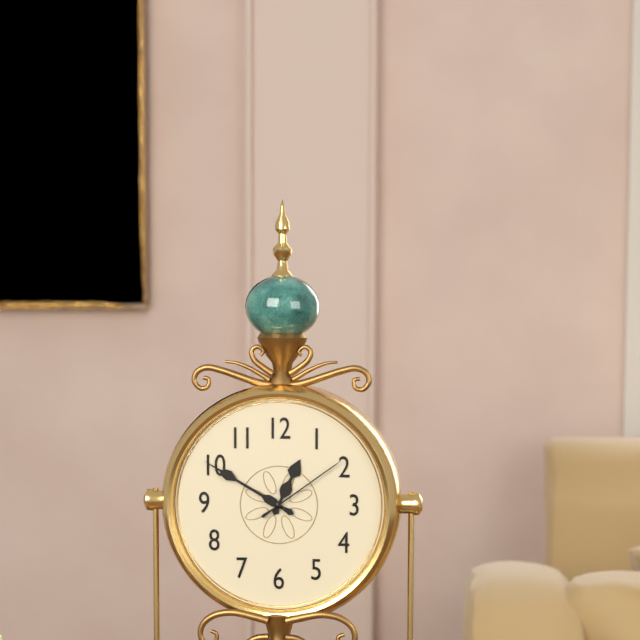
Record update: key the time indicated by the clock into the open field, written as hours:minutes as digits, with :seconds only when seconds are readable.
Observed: 12:50:09
